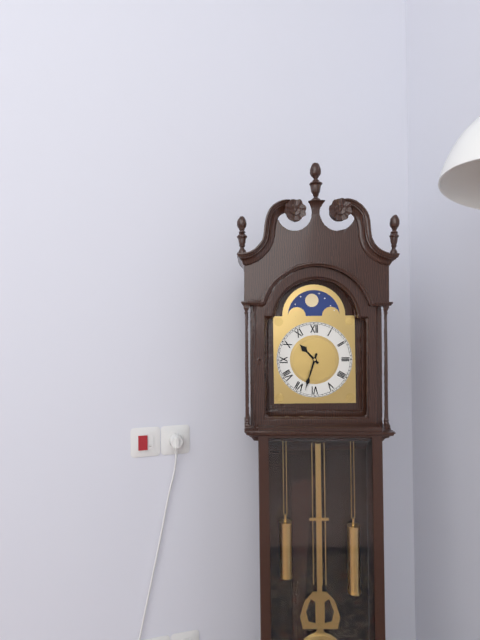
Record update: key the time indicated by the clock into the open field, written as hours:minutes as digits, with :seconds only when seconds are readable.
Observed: 10:33
